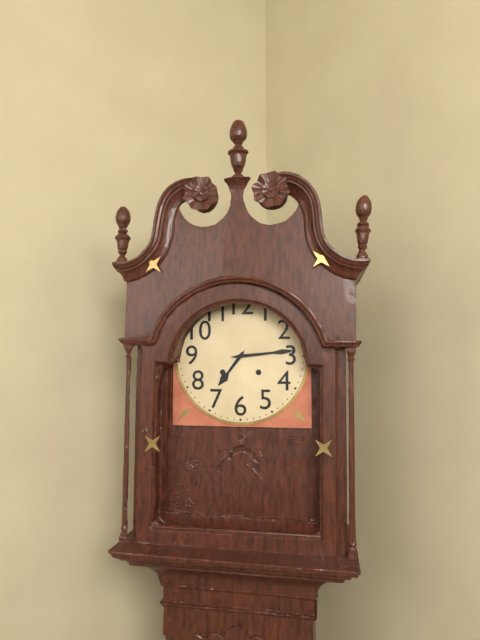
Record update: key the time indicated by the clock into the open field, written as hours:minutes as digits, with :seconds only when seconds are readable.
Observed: 7:14
